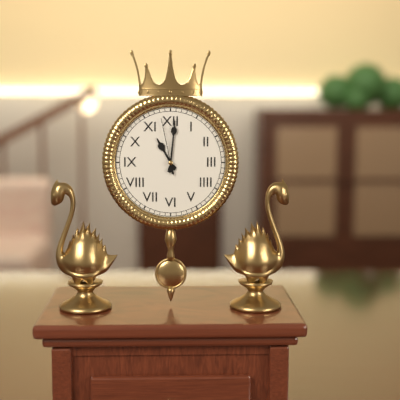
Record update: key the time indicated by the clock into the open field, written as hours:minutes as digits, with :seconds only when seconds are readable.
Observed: 11:01:58
